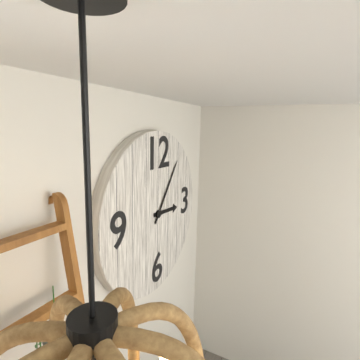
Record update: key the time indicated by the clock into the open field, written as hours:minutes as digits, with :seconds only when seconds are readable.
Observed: 3:06
